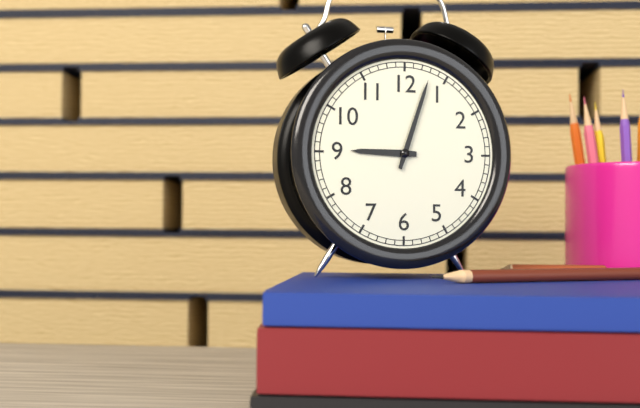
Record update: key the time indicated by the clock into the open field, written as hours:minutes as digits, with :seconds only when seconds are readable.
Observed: 9:03
